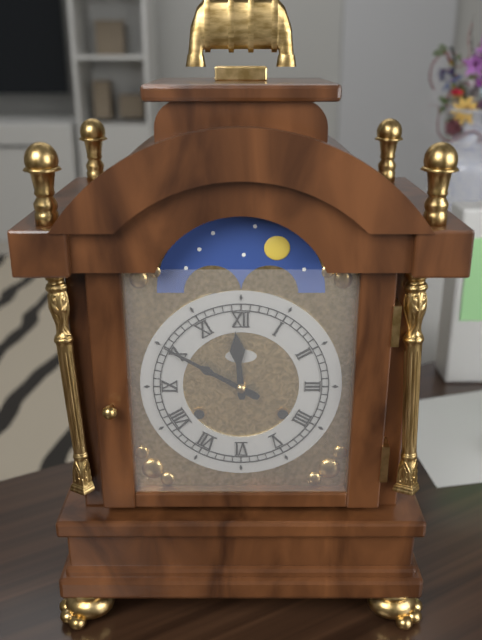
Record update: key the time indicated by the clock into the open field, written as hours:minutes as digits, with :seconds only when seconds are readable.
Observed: 11:50
